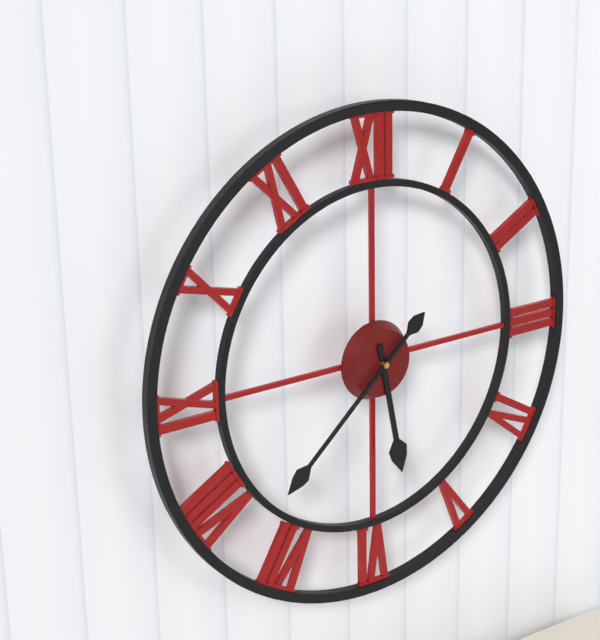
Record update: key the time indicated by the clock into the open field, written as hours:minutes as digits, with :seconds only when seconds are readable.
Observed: 5:38
